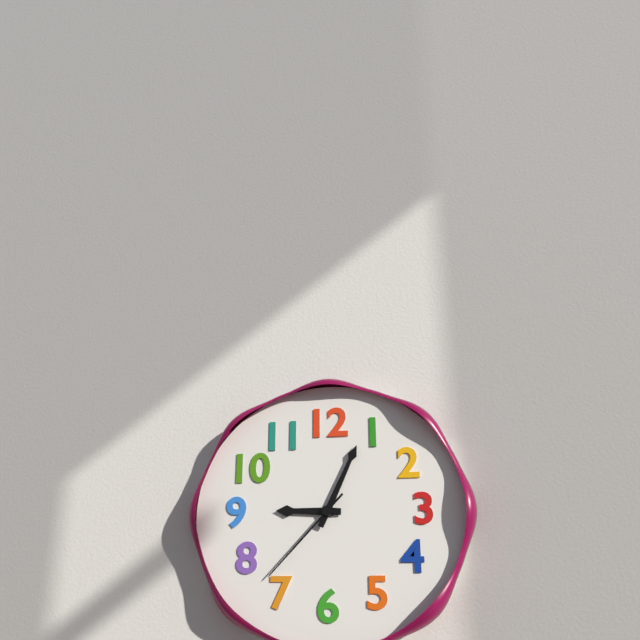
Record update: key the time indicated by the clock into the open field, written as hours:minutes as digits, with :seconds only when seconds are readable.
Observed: 9:04:37
